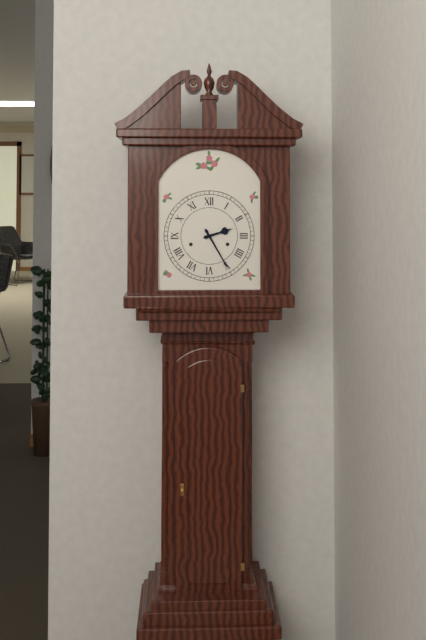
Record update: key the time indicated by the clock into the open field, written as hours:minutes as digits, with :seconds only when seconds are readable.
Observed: 2:25
